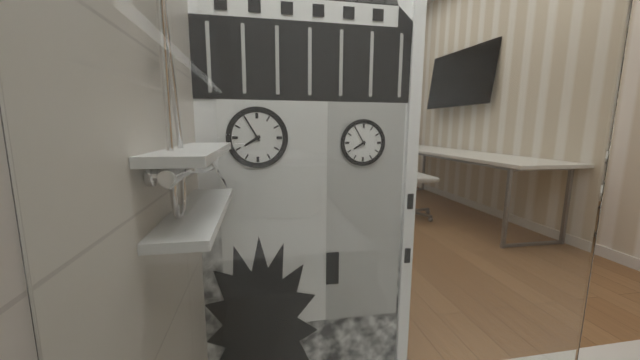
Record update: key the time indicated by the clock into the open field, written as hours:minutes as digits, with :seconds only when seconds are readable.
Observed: 7:55
